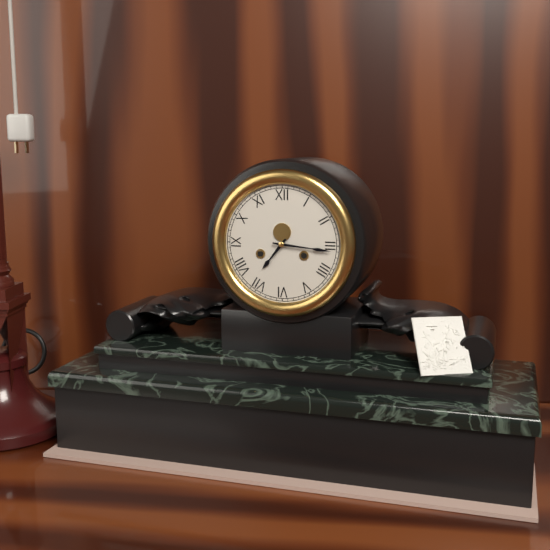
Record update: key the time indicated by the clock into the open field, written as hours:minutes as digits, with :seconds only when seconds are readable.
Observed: 7:16
